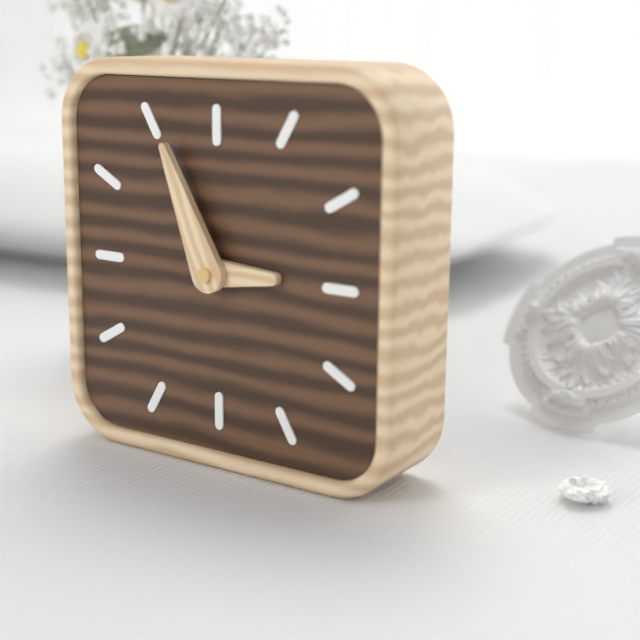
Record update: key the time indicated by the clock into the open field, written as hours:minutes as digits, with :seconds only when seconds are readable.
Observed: 2:56
